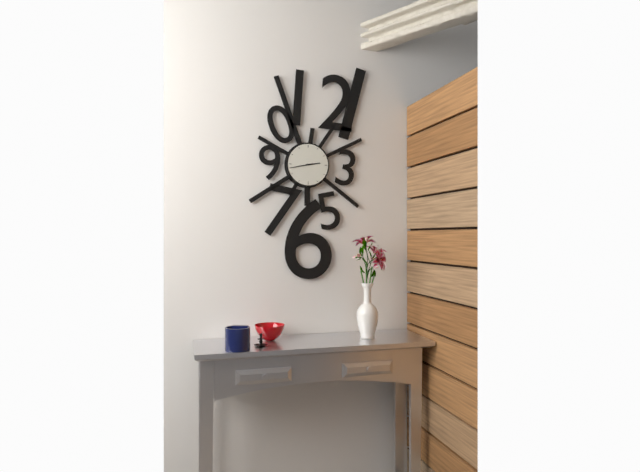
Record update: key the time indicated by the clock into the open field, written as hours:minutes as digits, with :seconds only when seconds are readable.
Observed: 2:43
